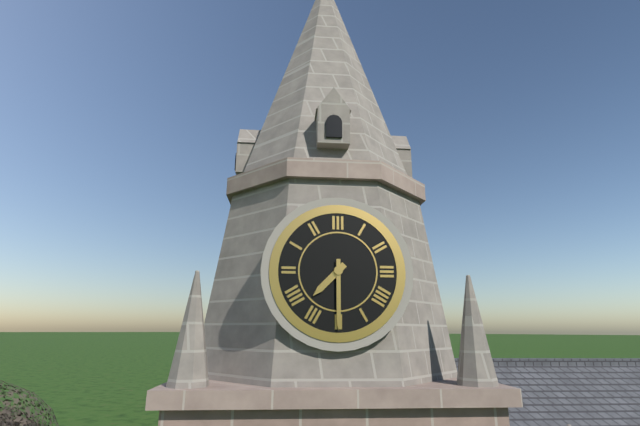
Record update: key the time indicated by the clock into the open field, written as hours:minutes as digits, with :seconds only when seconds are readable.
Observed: 7:30
